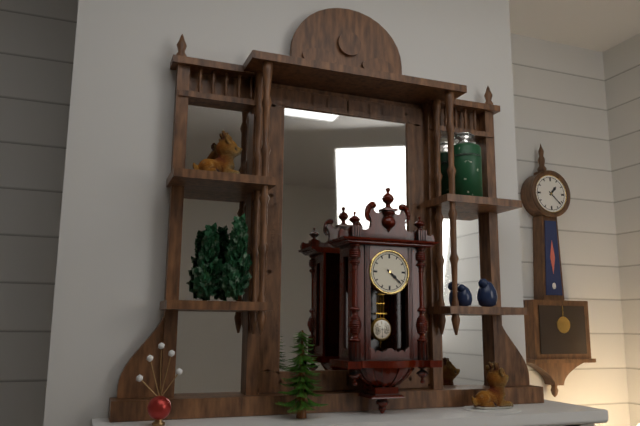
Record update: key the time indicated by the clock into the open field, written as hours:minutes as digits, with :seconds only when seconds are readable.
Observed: 4:22
